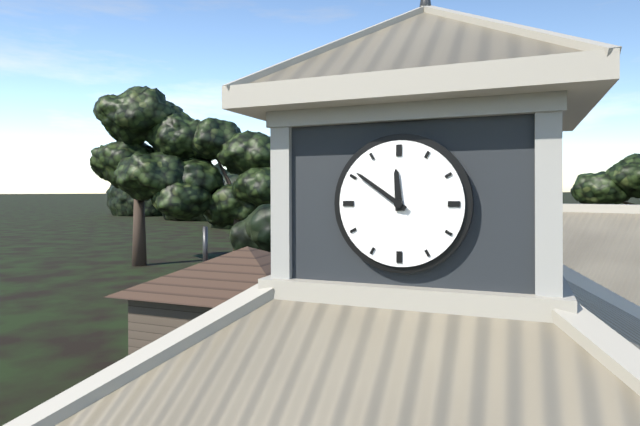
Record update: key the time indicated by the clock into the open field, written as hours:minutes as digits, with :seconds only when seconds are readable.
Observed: 11:51
